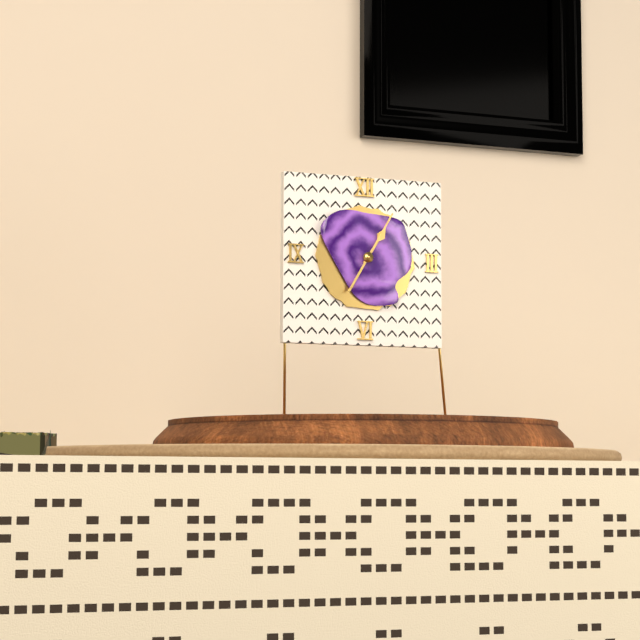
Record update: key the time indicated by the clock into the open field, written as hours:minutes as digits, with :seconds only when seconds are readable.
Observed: 1:05
